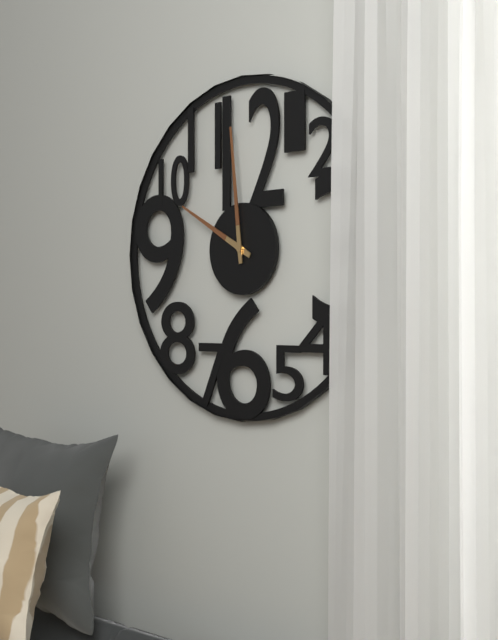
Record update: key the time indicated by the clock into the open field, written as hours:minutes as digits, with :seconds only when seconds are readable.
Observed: 9:59
